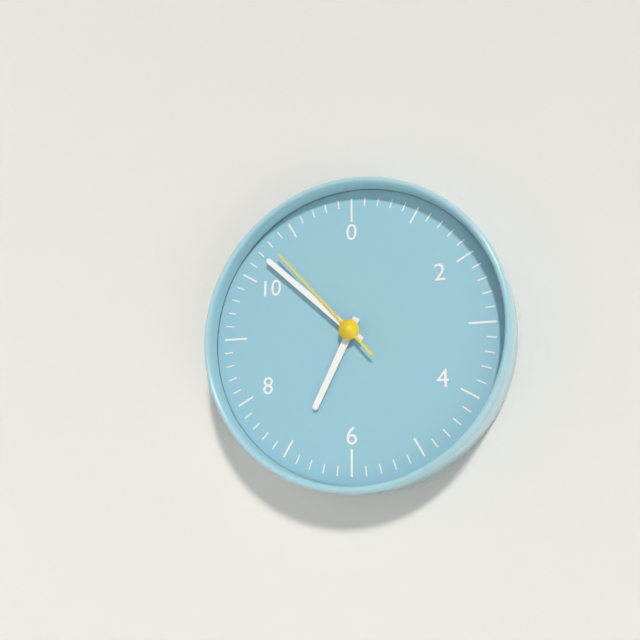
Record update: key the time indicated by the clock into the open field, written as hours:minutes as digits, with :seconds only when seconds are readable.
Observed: 6:52:53
